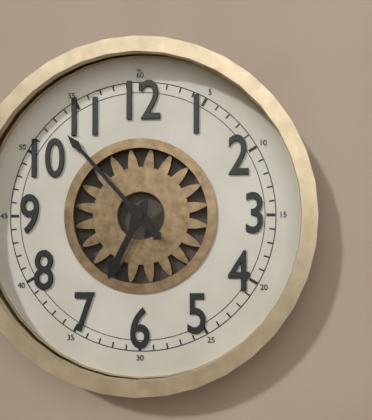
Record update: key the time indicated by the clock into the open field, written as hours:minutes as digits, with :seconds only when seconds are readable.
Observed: 6:53
